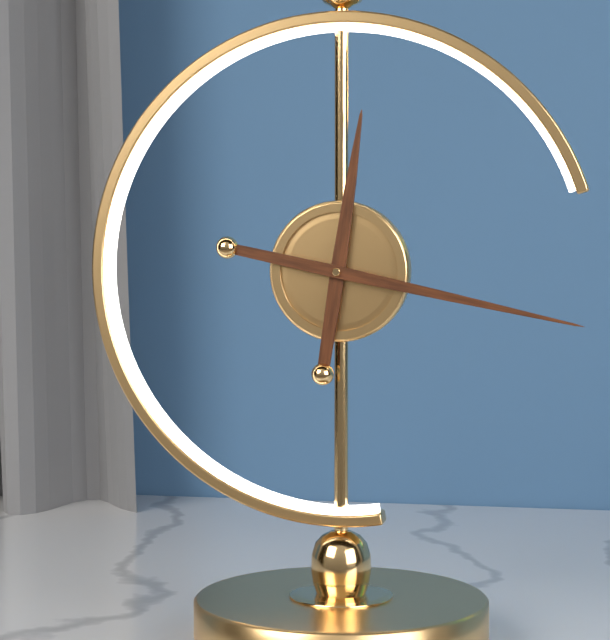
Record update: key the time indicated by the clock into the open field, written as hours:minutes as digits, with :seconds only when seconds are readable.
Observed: 12:17
